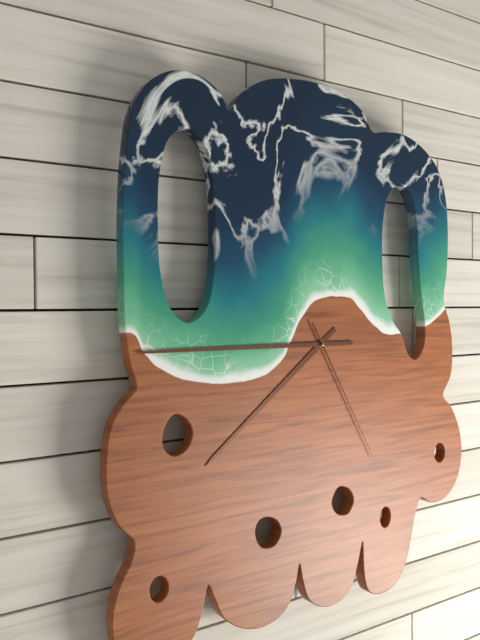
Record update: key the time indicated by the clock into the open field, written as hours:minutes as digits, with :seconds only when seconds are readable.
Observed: 7:45:25
